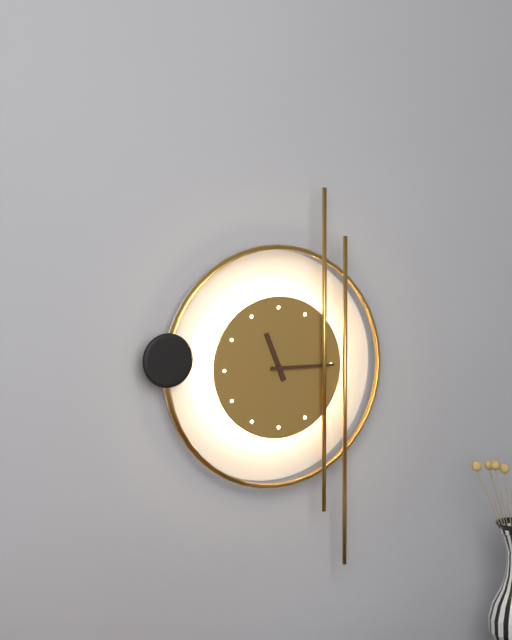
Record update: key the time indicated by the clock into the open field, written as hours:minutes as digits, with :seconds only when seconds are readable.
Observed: 11:15
